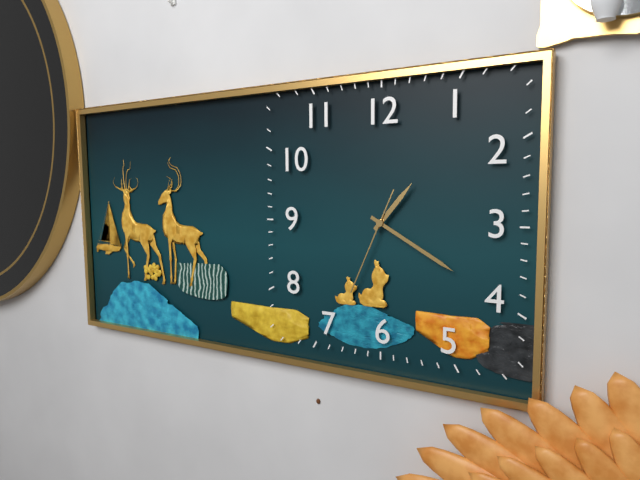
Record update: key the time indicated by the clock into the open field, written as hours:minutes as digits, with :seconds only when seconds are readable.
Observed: 1:20:34
